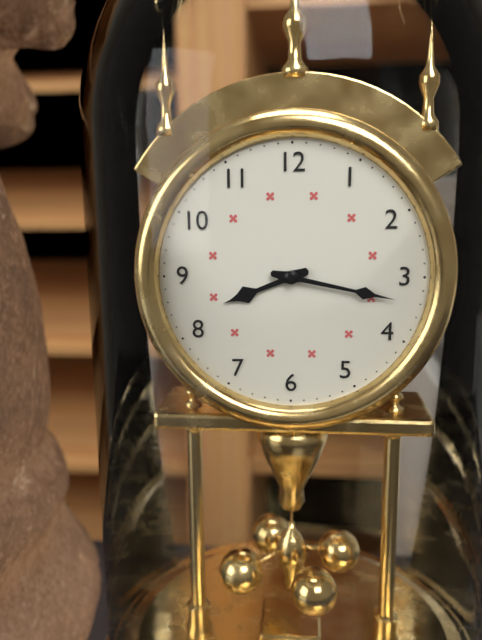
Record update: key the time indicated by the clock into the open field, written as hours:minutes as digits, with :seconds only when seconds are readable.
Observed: 8:17
